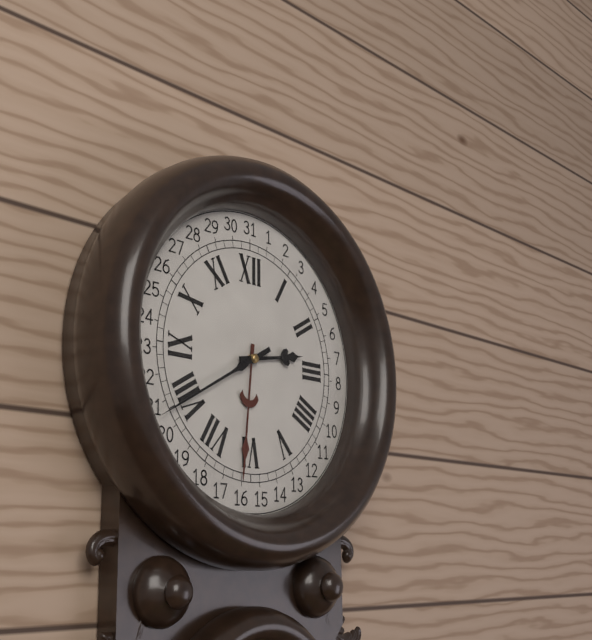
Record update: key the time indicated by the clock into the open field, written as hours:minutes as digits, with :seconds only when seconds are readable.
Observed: 2:40
